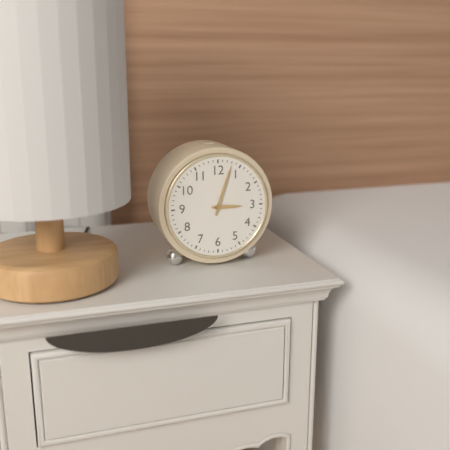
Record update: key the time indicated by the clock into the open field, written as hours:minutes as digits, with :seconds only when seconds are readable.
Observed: 3:03
